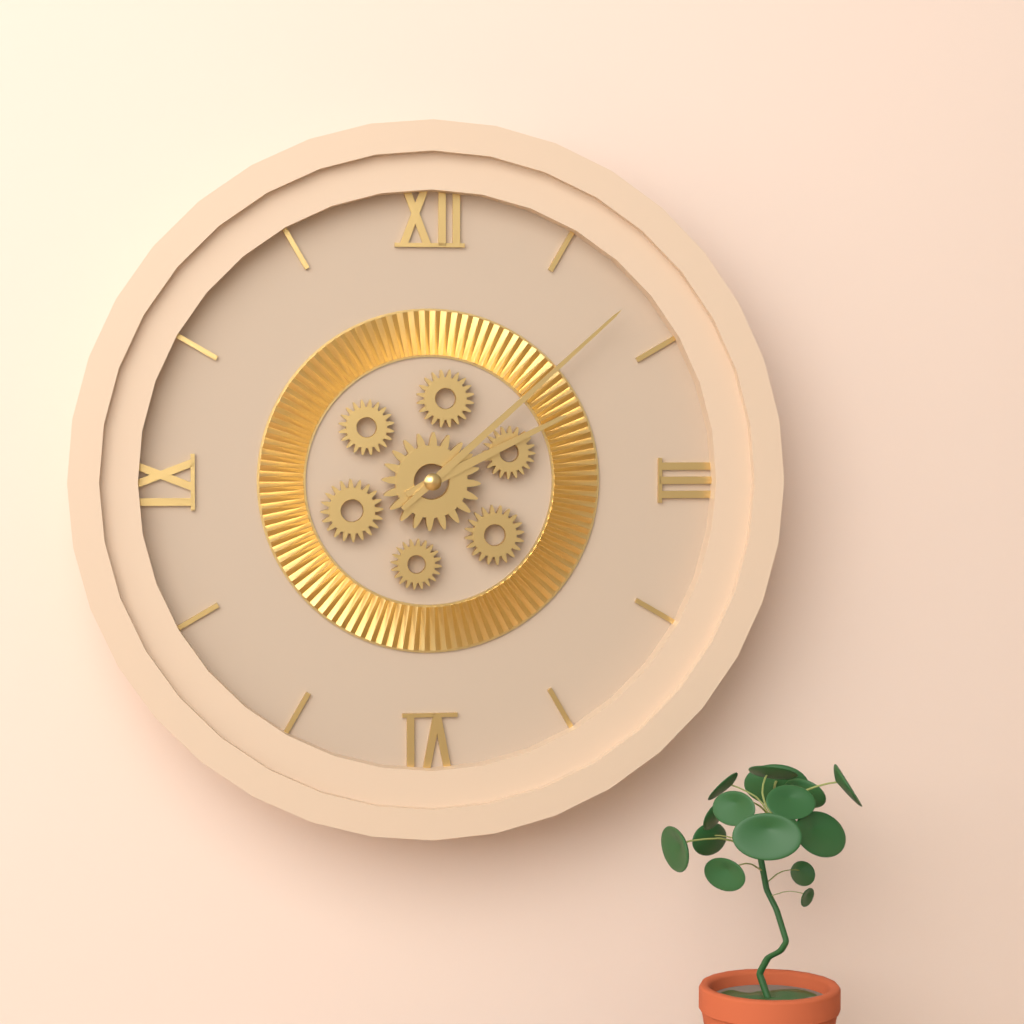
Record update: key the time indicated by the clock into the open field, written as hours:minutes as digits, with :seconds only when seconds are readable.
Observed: 2:08
